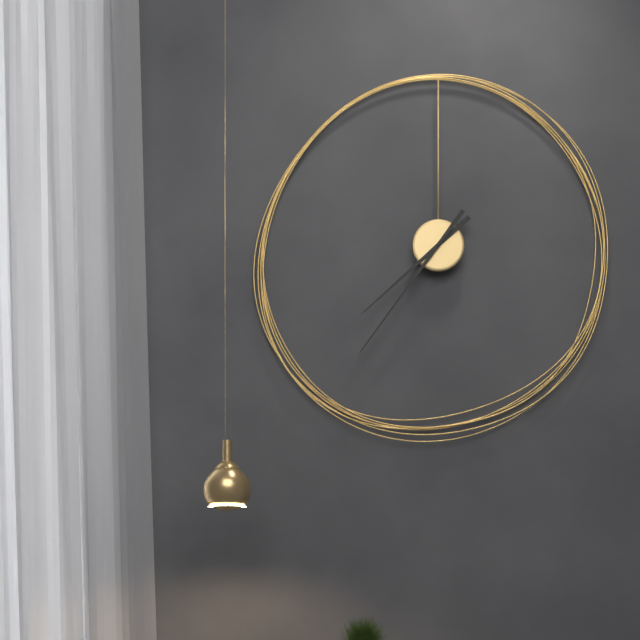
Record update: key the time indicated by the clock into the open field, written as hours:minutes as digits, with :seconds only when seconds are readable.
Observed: 7:36
